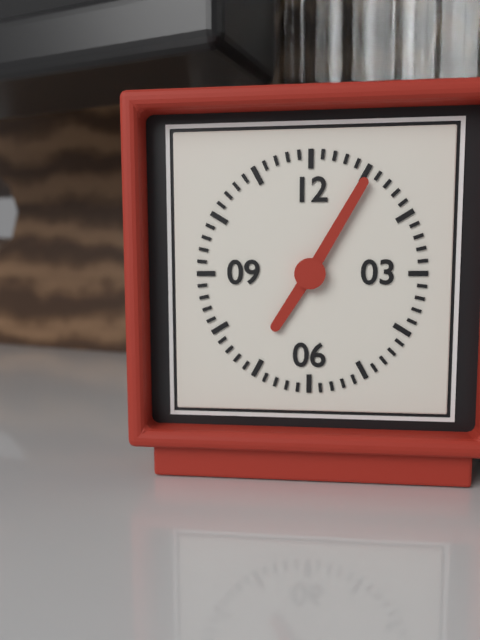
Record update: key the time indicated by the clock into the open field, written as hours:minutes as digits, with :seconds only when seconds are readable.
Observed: 7:05
